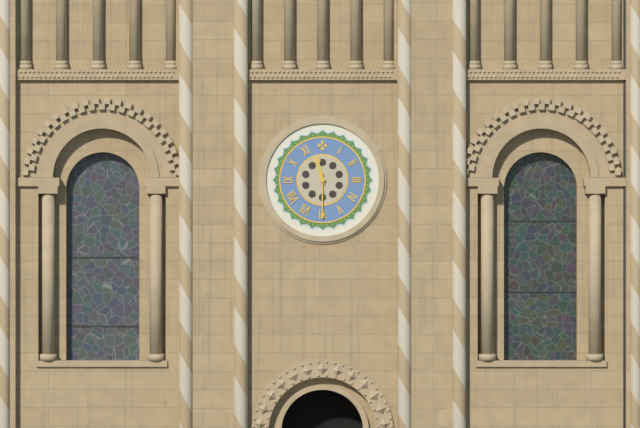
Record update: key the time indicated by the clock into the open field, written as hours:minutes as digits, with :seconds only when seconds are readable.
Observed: 11:30
